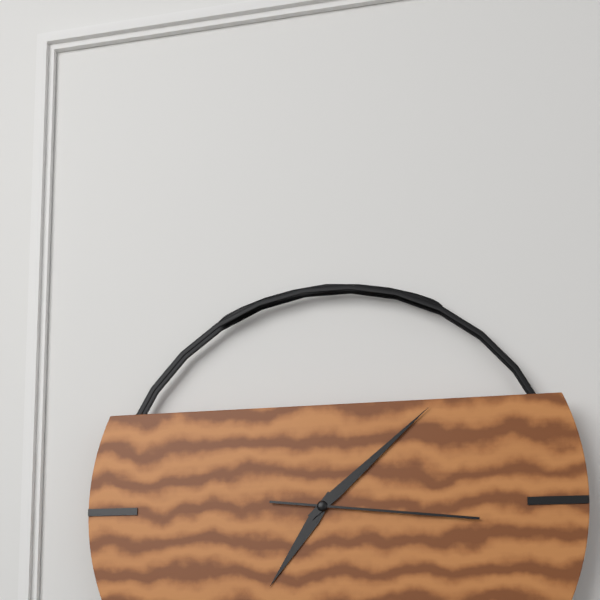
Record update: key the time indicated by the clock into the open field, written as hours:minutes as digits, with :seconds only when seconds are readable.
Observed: 7:08:16
